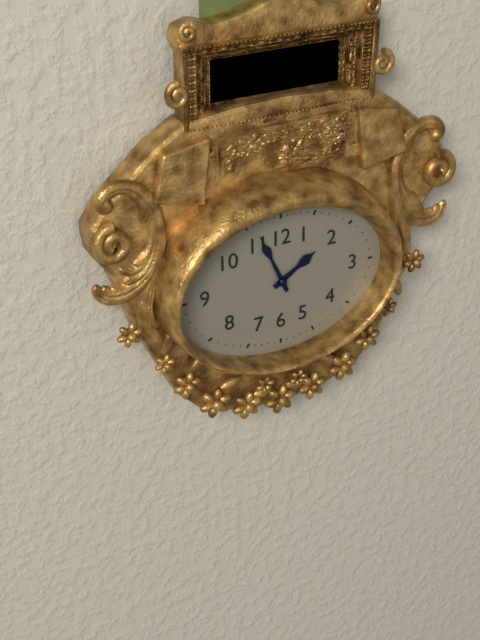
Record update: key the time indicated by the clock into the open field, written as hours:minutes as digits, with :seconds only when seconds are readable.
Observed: 1:56
